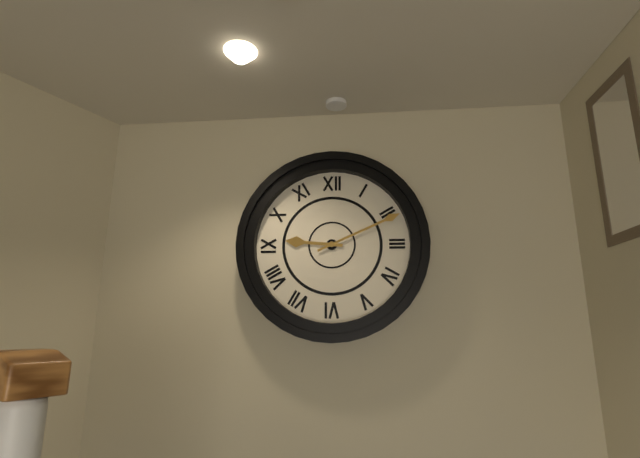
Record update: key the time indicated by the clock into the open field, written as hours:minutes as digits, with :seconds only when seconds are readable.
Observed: 9:11
